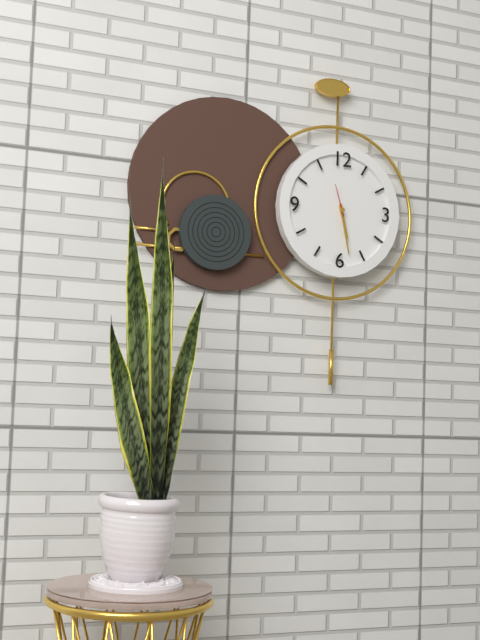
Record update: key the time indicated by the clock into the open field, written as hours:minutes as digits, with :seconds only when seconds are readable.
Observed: 5:28
